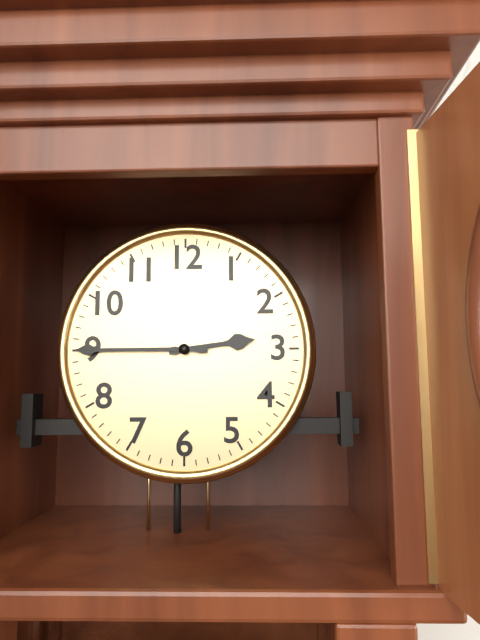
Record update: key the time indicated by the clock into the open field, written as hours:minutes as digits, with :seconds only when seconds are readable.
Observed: 2:45
